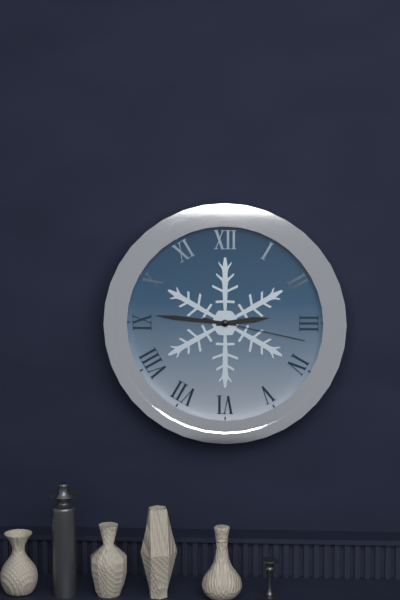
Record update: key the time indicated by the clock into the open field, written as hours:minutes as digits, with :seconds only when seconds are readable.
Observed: 2:46:17
